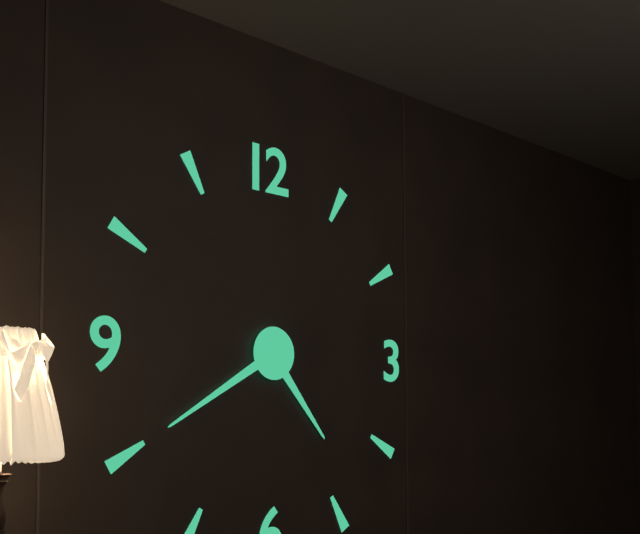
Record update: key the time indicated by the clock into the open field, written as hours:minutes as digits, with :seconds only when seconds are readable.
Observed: 4:40
